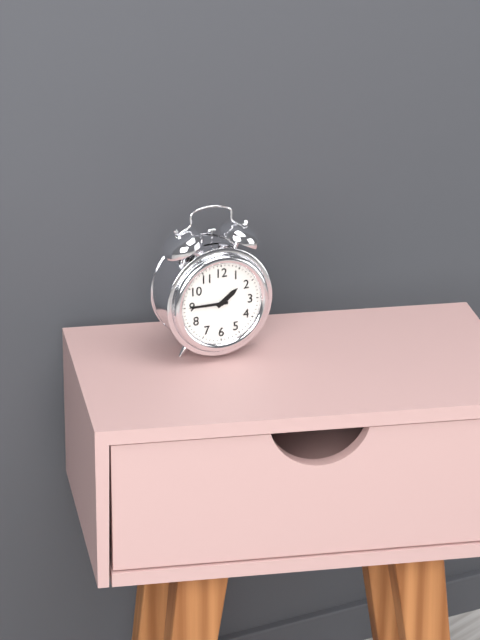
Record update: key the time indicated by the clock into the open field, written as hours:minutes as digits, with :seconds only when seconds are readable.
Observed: 1:45
